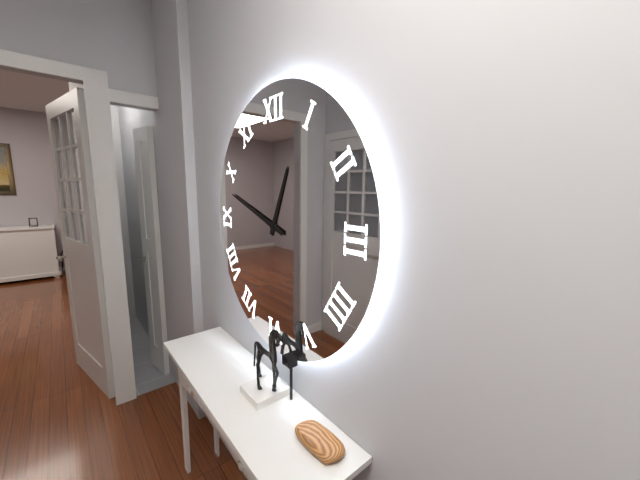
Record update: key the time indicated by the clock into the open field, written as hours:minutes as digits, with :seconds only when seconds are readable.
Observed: 12:48
